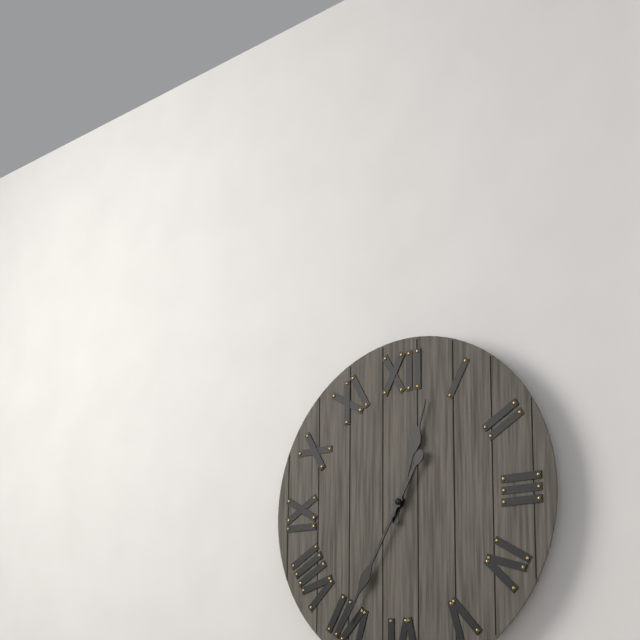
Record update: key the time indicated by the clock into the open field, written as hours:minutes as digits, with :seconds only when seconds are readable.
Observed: 12:35
